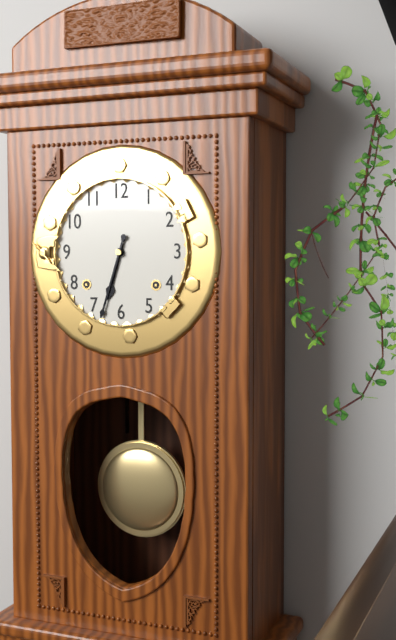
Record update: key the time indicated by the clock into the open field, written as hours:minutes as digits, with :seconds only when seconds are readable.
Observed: 6:33
